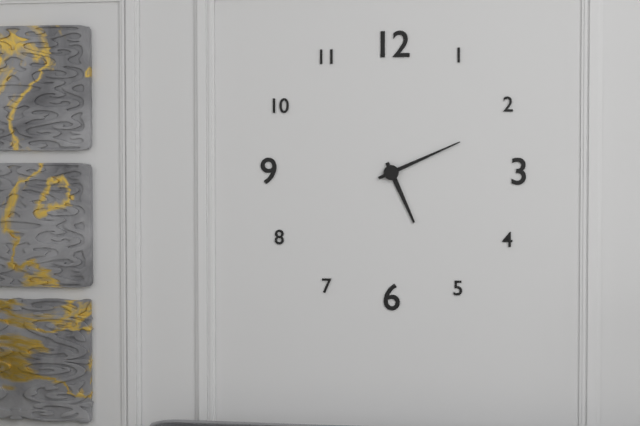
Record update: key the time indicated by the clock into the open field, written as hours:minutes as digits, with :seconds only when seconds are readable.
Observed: 5:11
